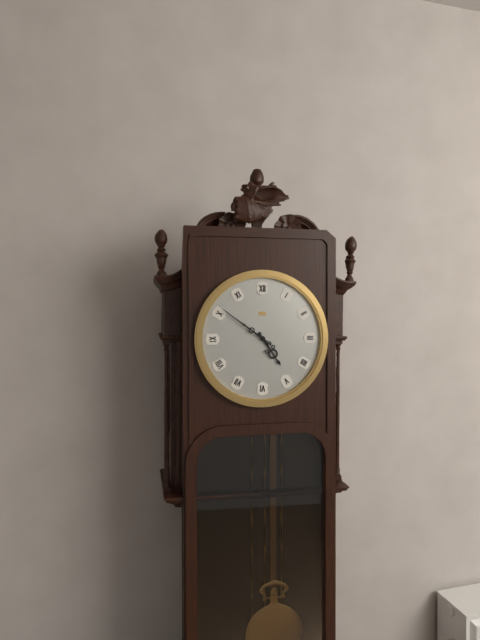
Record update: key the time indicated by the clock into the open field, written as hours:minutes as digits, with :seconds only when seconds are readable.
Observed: 4:51
